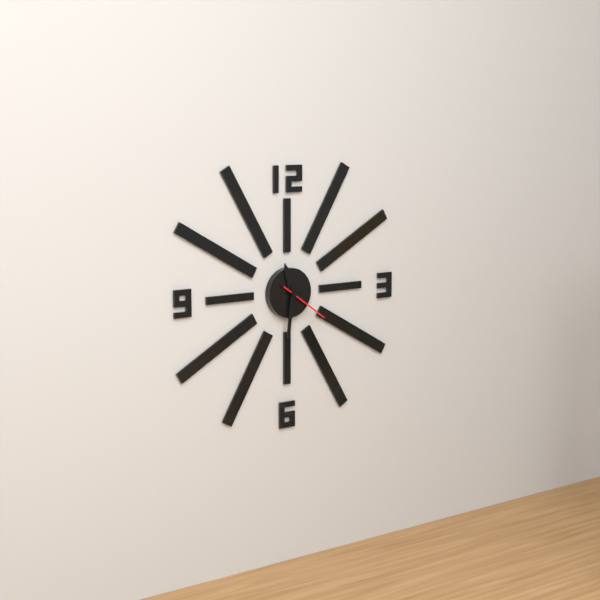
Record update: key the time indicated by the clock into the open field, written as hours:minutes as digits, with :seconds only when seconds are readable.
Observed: 11:31:21
